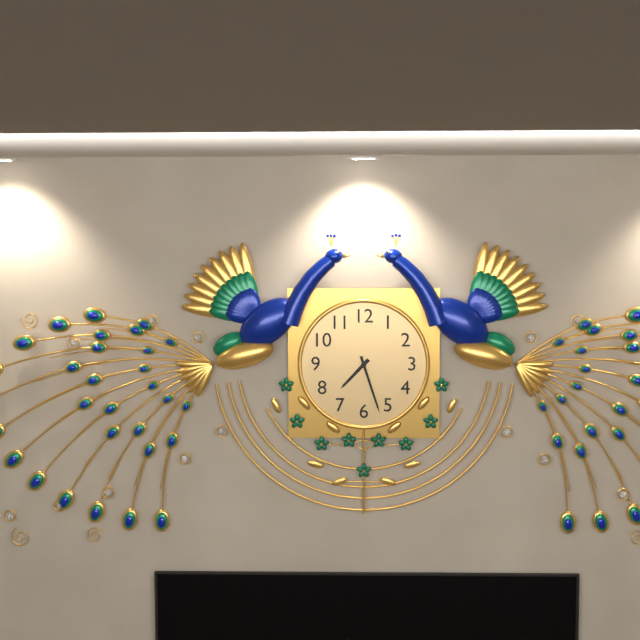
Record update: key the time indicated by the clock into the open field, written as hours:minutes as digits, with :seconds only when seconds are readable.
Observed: 7:27
